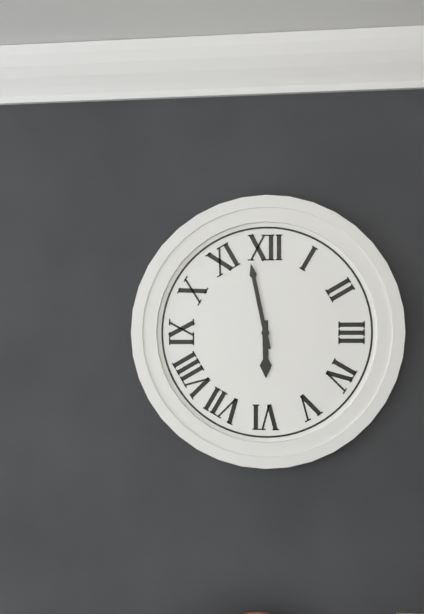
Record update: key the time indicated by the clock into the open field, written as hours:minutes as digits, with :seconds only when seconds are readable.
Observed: 5:58
